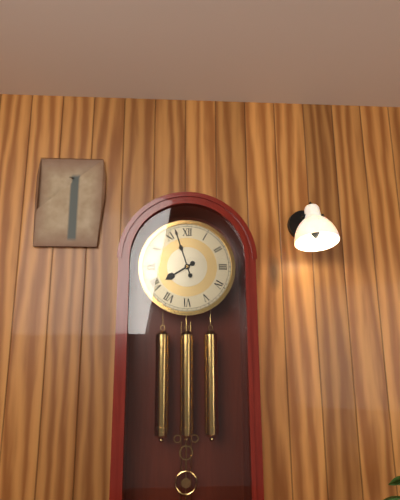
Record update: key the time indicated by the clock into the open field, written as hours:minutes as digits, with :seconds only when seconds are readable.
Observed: 7:57
